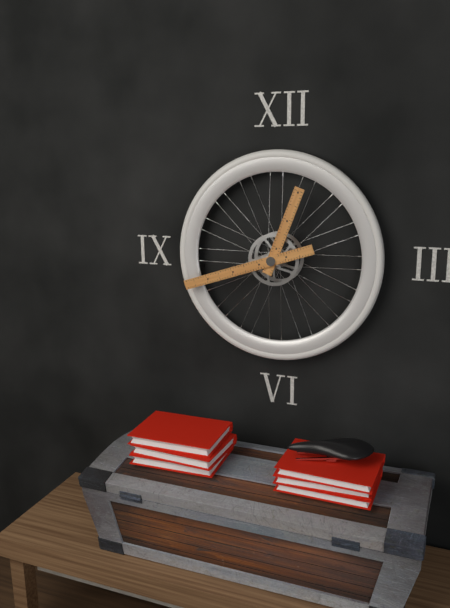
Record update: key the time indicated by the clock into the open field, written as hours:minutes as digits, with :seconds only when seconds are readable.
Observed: 12:42
